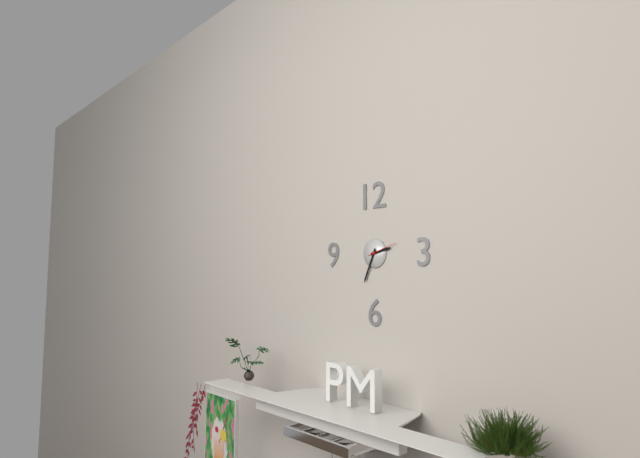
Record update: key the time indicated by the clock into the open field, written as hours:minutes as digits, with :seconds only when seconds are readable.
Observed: 2:34
